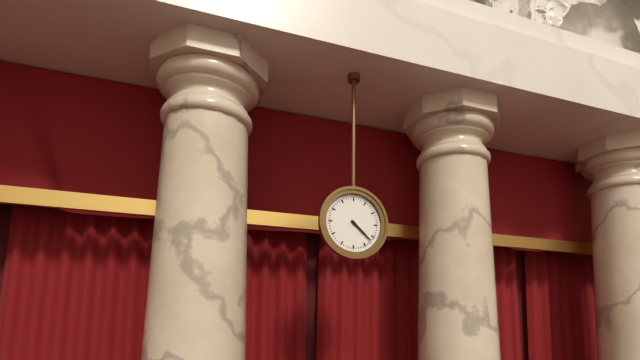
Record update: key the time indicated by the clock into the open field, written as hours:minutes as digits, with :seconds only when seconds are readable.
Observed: 4:22
